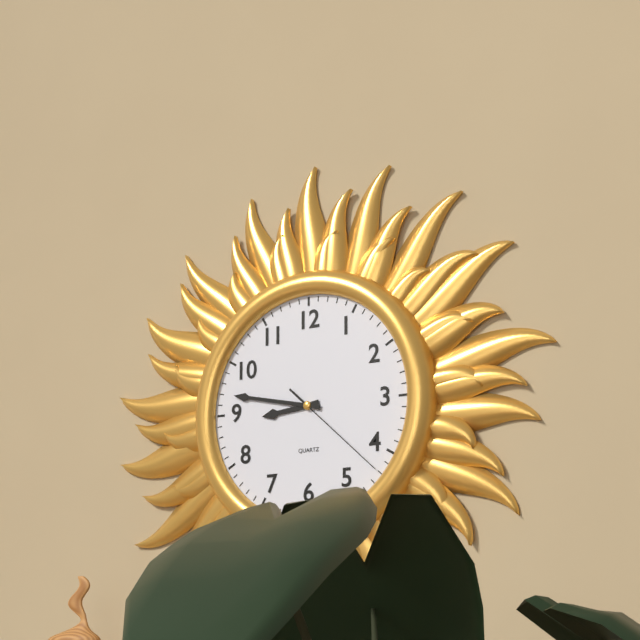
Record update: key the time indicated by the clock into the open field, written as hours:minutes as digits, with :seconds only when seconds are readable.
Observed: 8:47:22
